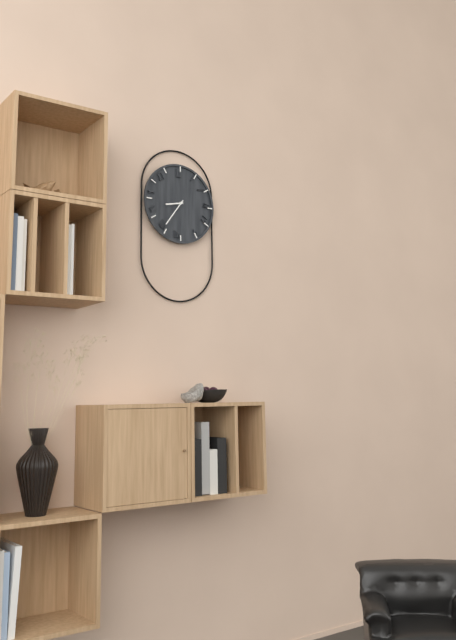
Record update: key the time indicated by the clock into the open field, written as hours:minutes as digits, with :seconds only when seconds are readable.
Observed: 8:36
